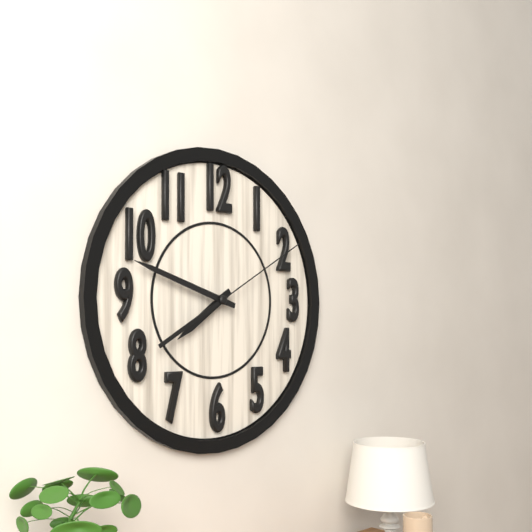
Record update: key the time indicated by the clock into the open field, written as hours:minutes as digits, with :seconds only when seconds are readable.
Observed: 7:48:10
